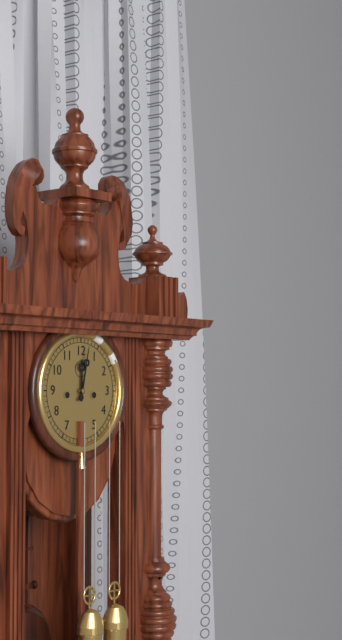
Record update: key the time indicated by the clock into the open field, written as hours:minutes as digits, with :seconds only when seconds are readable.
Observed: 12:02
